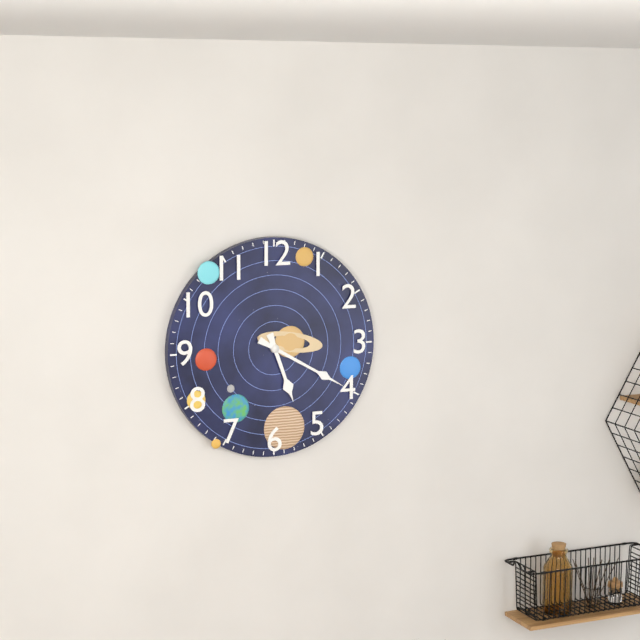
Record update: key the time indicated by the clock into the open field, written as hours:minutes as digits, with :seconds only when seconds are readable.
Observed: 5:20
